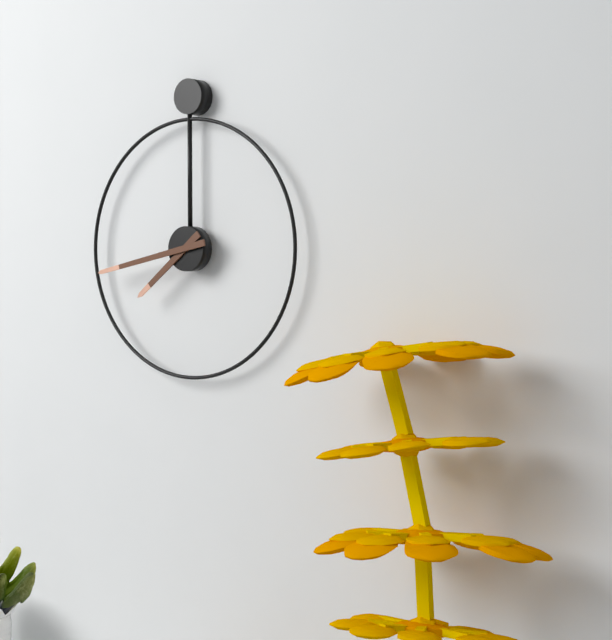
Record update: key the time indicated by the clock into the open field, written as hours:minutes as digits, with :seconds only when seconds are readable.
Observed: 7:43
